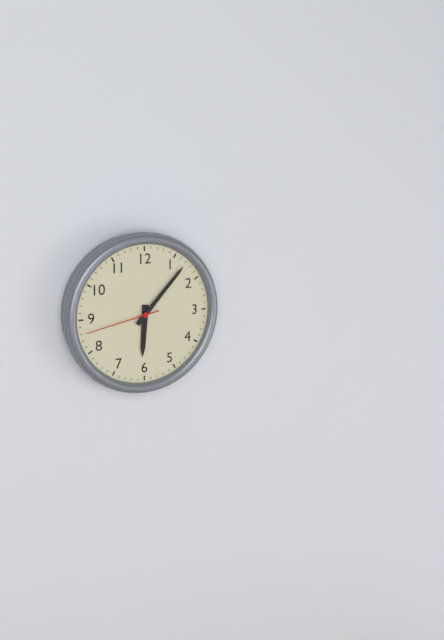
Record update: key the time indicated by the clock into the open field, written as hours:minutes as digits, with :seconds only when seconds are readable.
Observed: 6:07:43
